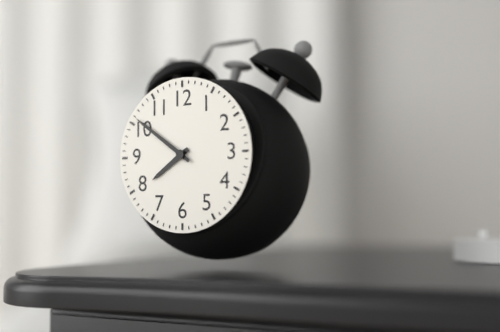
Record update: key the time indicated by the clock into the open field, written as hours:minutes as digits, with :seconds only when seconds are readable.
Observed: 7:51
